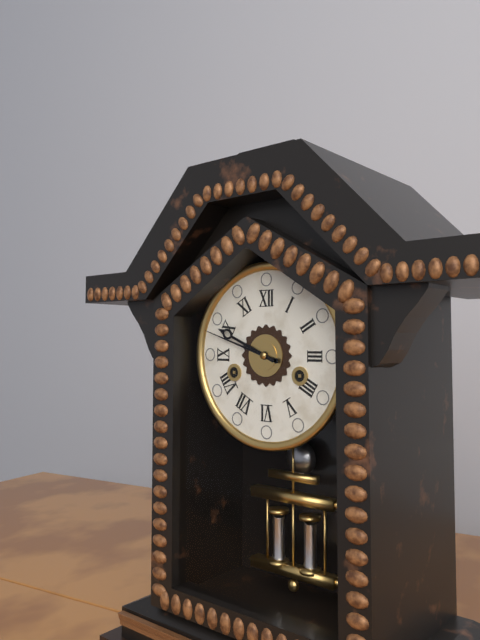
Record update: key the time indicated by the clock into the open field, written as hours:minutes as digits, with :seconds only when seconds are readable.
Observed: 9:48
